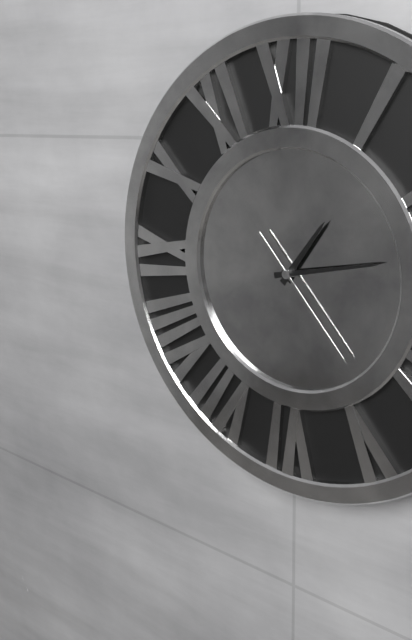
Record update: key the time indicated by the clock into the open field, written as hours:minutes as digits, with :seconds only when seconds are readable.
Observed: 1:13:23
